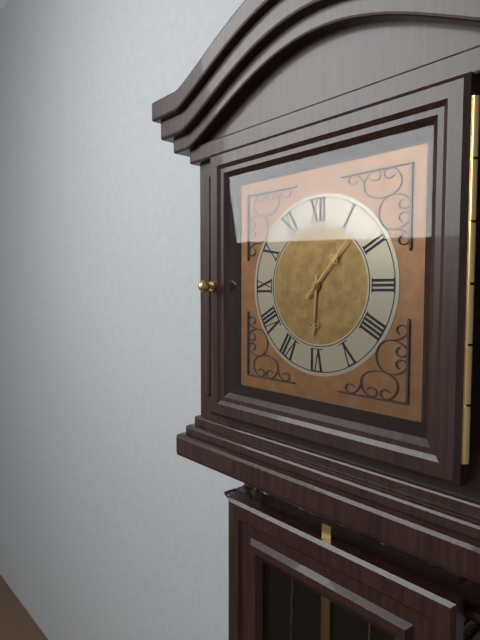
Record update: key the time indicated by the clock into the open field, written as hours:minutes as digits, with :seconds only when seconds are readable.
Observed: 6:07
